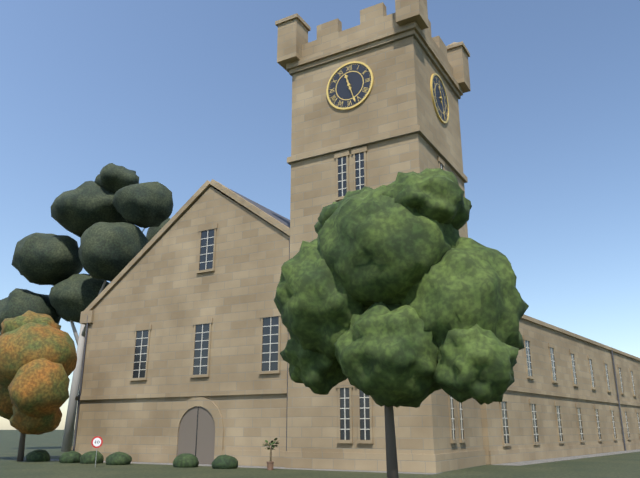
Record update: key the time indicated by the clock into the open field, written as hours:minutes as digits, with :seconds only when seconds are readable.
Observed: 11:27
